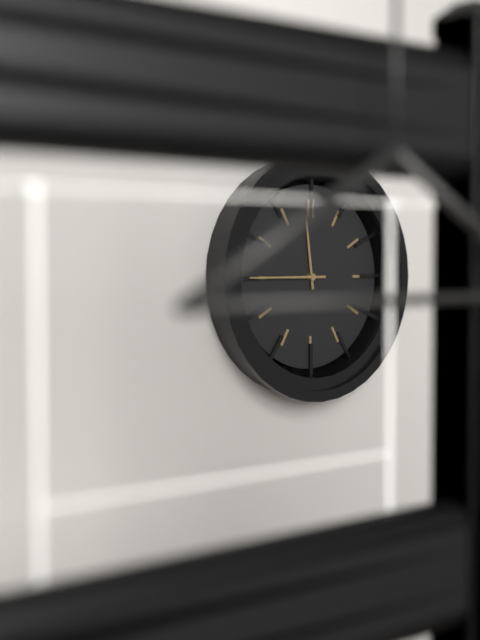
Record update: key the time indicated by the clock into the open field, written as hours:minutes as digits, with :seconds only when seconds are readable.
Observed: 11:45
